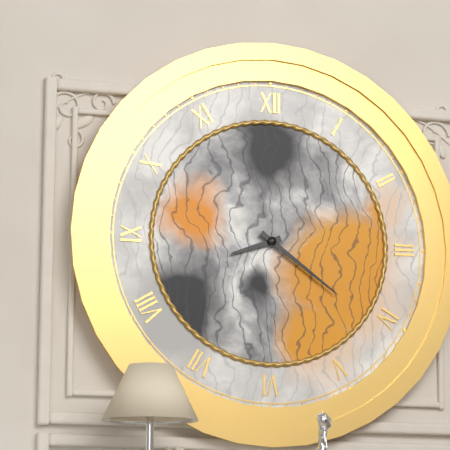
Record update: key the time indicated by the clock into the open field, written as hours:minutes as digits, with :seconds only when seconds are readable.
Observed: 8:21
